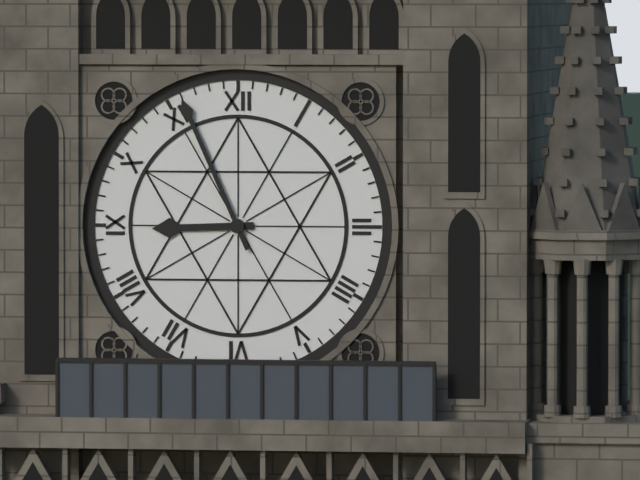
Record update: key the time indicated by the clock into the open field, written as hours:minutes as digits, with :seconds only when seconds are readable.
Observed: 8:56
